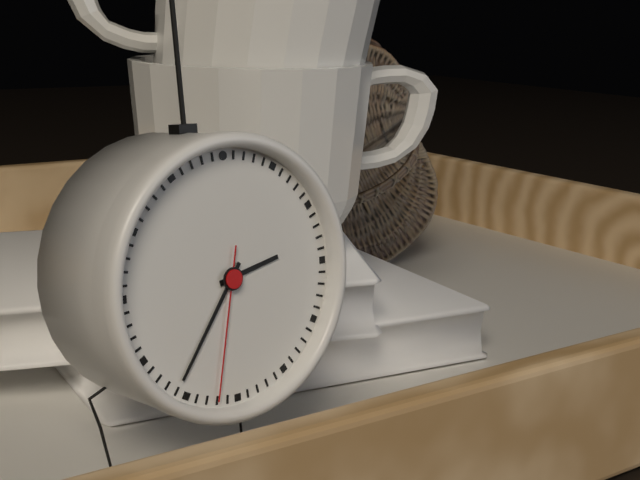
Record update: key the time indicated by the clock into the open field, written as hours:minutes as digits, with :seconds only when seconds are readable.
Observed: 2:36:32
